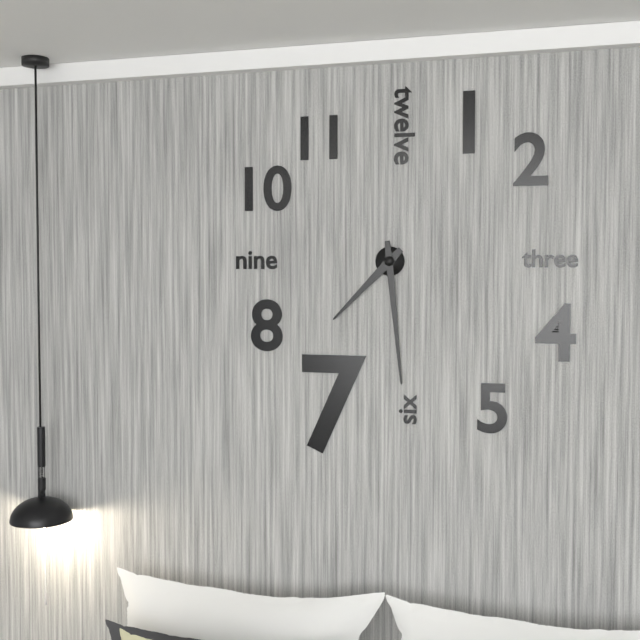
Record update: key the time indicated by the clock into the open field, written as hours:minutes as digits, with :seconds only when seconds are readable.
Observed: 7:29
